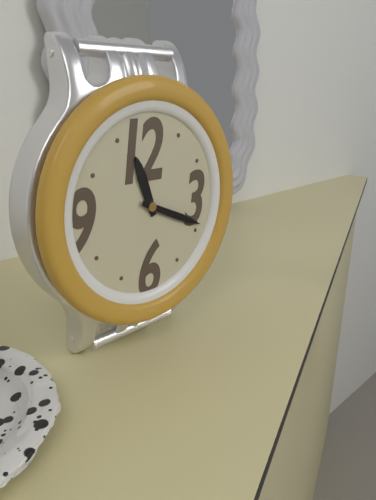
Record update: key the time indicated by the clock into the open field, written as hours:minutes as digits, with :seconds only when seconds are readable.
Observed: 11:19
